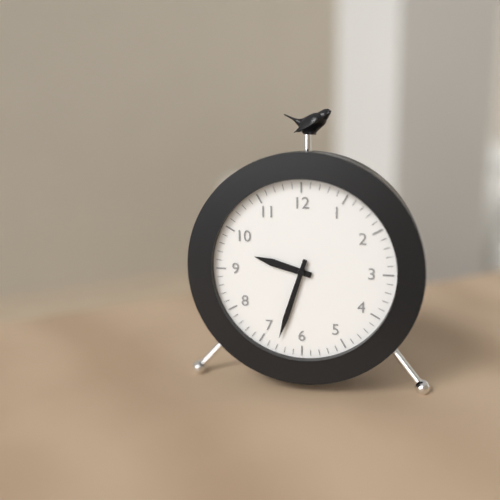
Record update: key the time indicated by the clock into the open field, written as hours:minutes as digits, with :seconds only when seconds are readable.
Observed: 9:33
